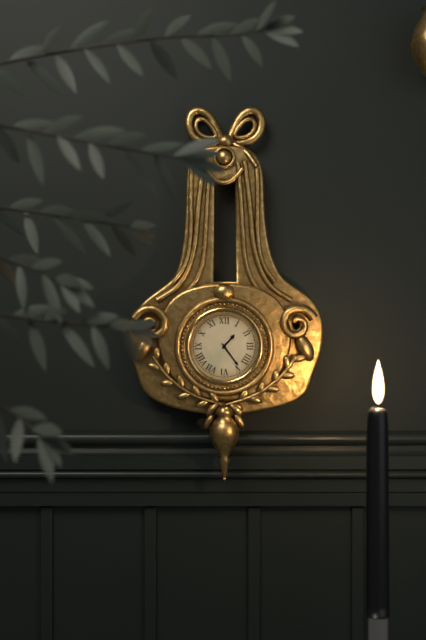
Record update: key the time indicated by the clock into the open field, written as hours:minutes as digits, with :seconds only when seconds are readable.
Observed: 1:24
